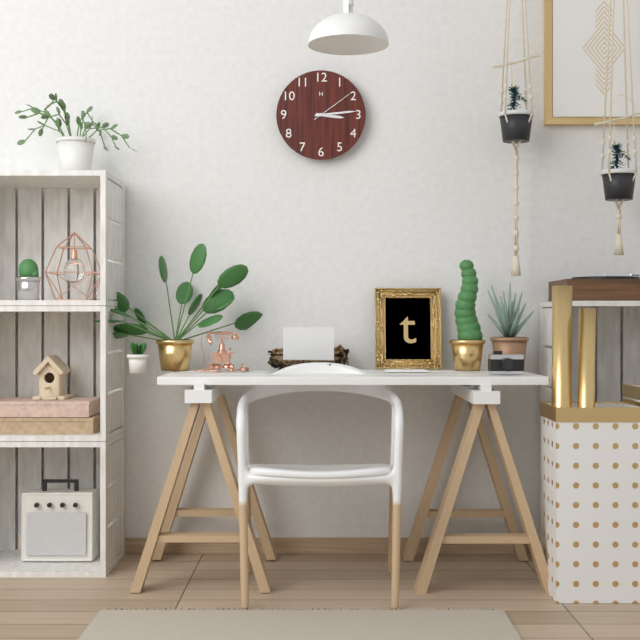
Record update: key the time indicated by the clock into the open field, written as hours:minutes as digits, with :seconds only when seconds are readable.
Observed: 3:14
